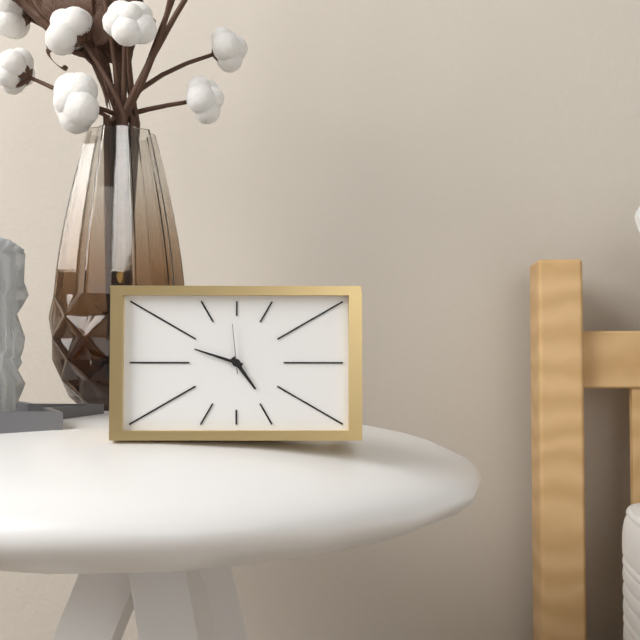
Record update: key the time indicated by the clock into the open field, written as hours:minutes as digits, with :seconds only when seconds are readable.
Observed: 4:48
